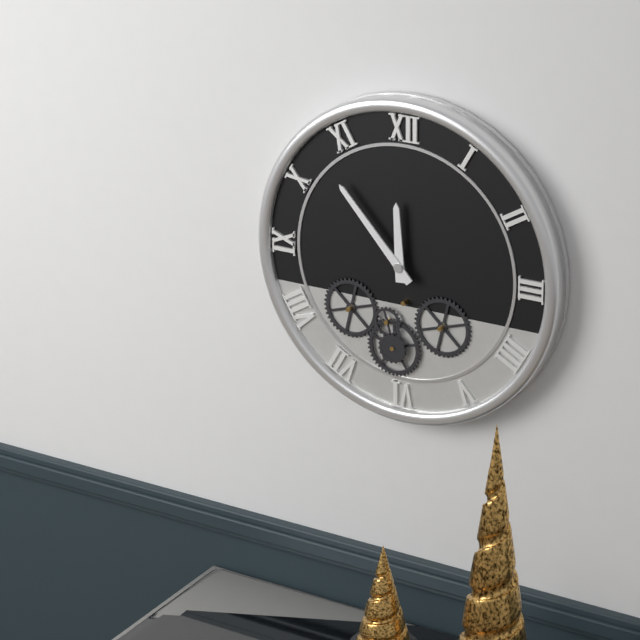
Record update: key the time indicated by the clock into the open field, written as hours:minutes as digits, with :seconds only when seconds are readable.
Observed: 11:53
